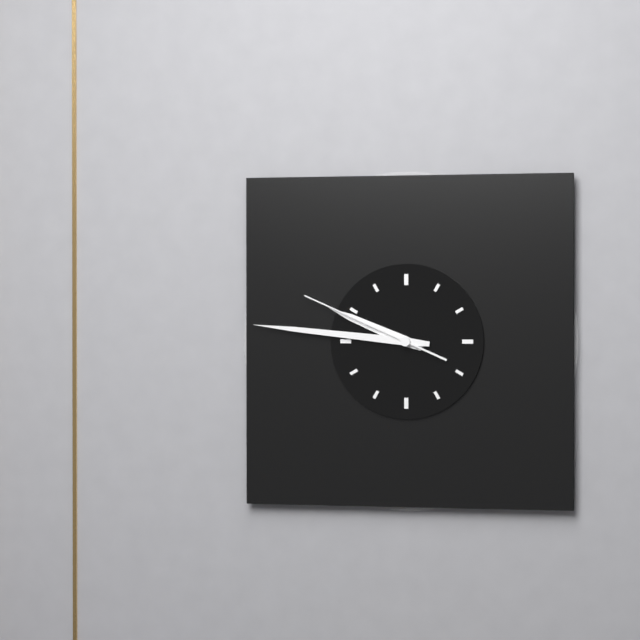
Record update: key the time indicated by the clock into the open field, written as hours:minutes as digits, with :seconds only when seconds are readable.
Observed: 9:46:49
